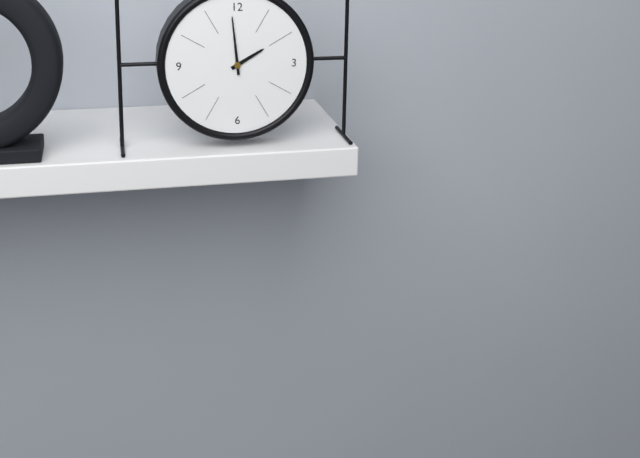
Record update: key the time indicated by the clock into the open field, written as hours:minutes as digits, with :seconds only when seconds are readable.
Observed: 1:59
